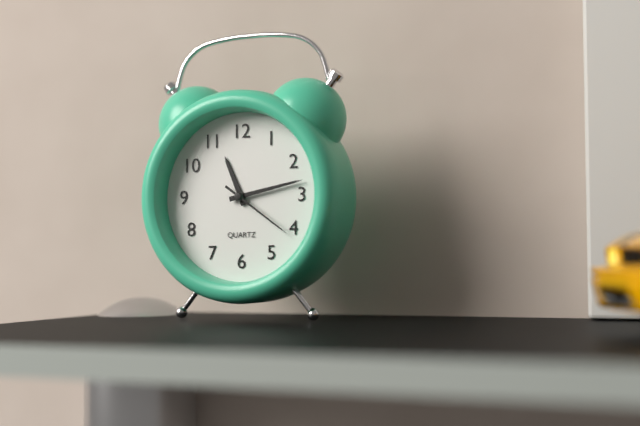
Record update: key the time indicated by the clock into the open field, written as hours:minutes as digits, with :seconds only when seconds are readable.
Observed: 11:13:21
